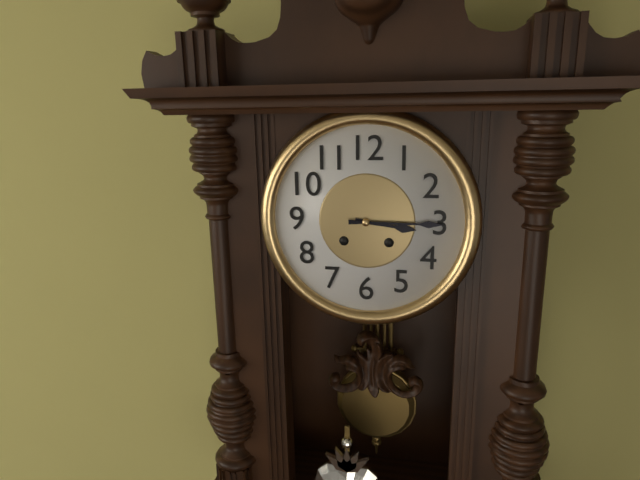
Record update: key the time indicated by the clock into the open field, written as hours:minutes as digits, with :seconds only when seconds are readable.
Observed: 3:15
